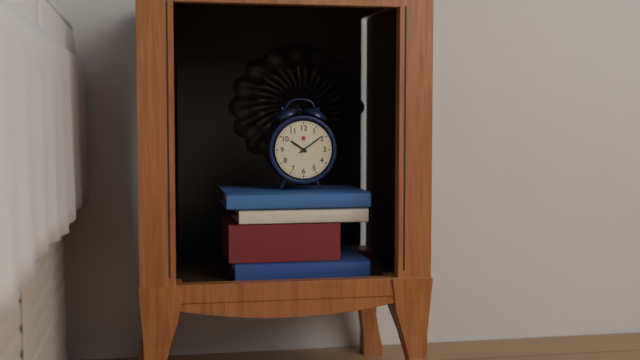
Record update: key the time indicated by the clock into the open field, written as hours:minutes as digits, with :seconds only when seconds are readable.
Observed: 10:09
